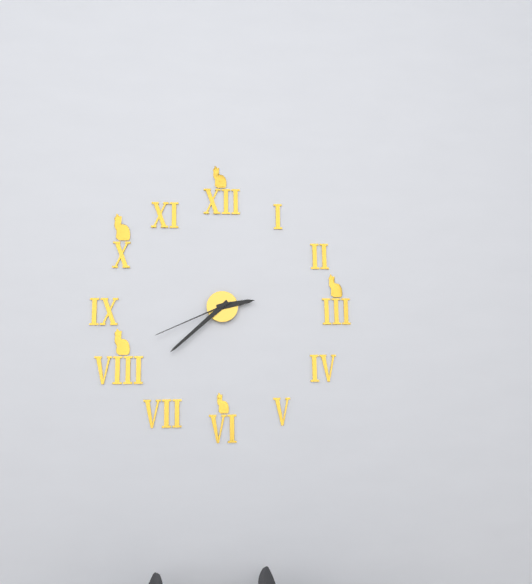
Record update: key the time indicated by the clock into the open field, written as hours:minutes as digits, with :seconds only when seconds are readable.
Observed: 2:38:41
